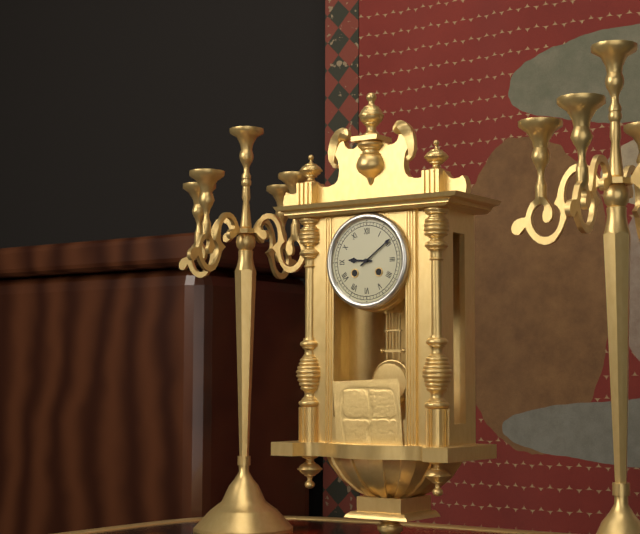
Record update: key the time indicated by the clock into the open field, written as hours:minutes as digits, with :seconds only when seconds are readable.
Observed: 9:09
